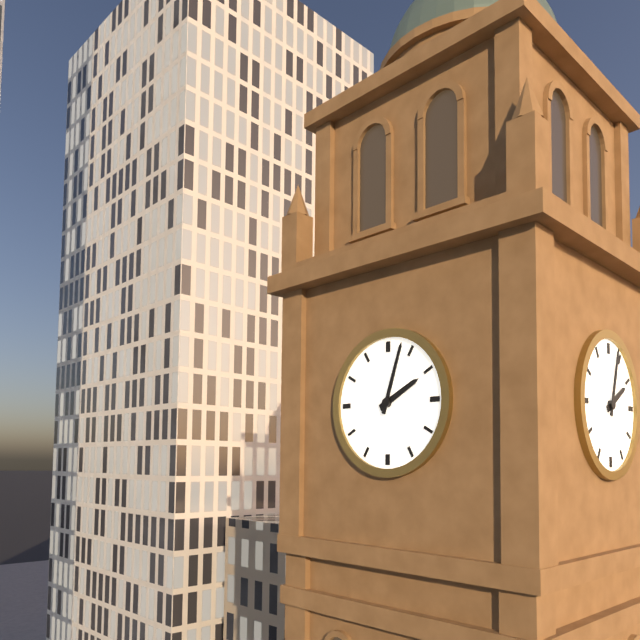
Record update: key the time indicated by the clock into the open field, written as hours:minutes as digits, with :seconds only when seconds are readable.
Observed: 2:03
